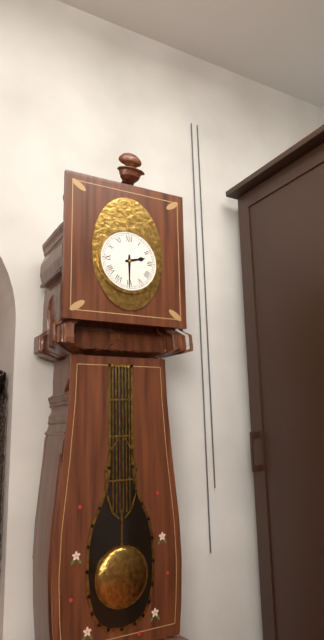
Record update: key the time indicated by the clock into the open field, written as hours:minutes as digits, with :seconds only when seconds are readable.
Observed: 2:30
